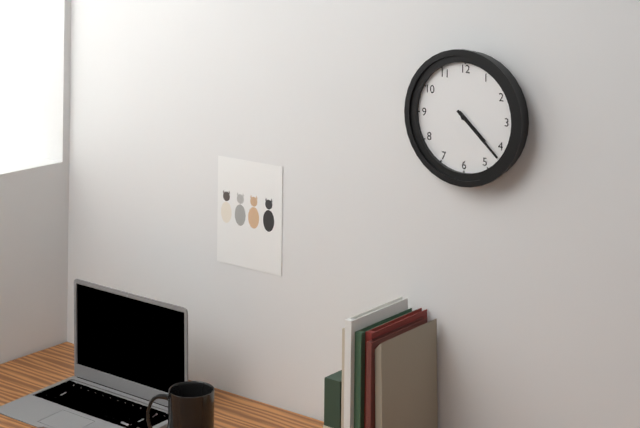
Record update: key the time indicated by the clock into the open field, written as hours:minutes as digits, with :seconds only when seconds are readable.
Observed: 4:22
